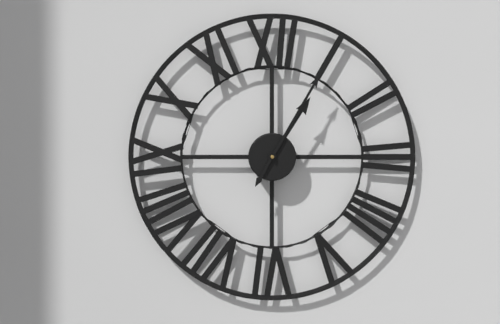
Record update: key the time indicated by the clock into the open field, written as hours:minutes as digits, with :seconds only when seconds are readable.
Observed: 1:05
